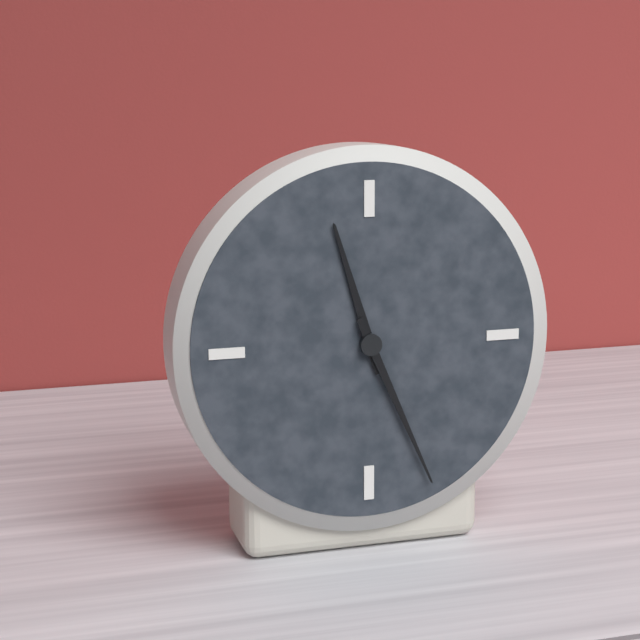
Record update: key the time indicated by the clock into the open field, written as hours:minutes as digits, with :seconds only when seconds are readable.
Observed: 11:26
